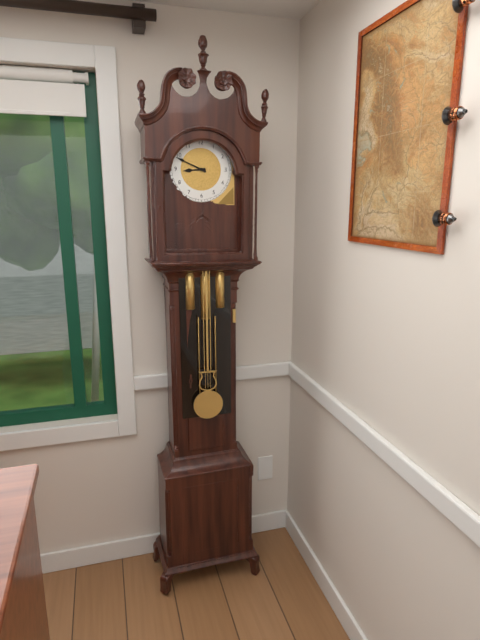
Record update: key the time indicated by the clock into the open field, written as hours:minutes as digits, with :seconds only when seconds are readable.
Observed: 8:49
